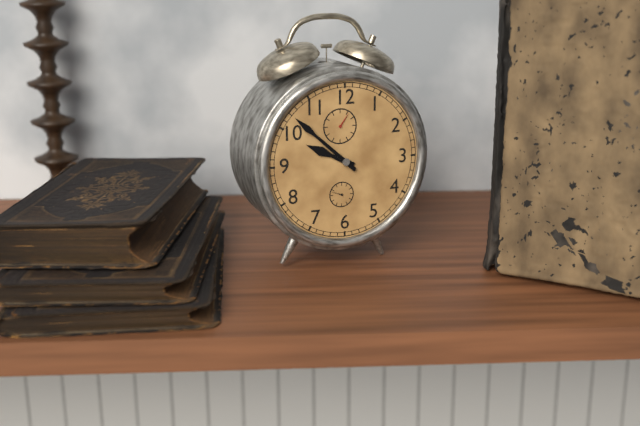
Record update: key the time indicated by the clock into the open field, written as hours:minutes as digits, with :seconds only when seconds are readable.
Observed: 9:52
